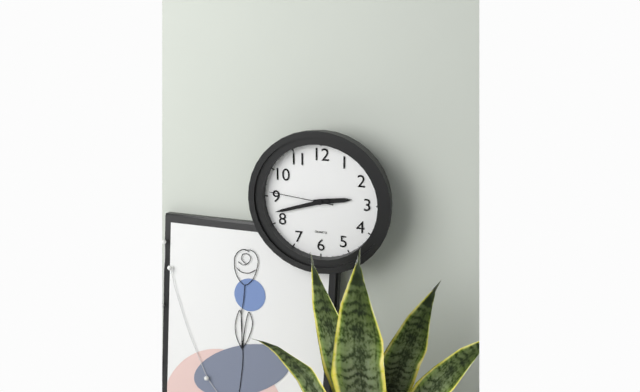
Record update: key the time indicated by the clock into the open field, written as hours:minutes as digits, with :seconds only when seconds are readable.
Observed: 2:42:46
